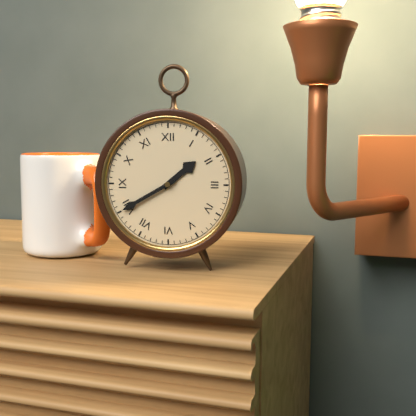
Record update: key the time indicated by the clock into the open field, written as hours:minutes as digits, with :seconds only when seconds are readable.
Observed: 1:40
